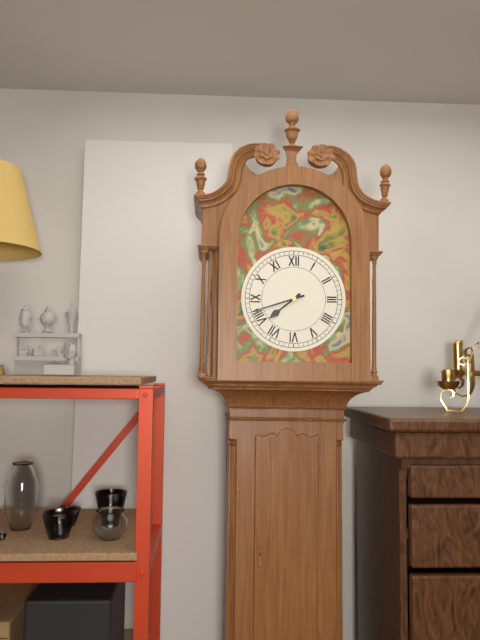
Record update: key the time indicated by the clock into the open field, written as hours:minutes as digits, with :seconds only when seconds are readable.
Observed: 7:42
